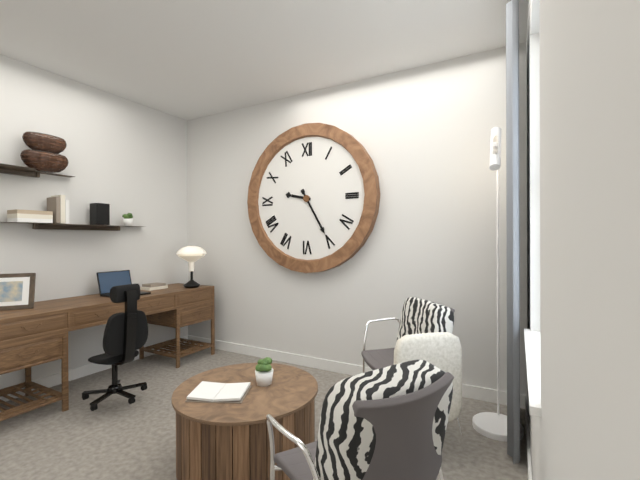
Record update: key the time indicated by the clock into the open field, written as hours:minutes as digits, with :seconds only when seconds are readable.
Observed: 9:25
